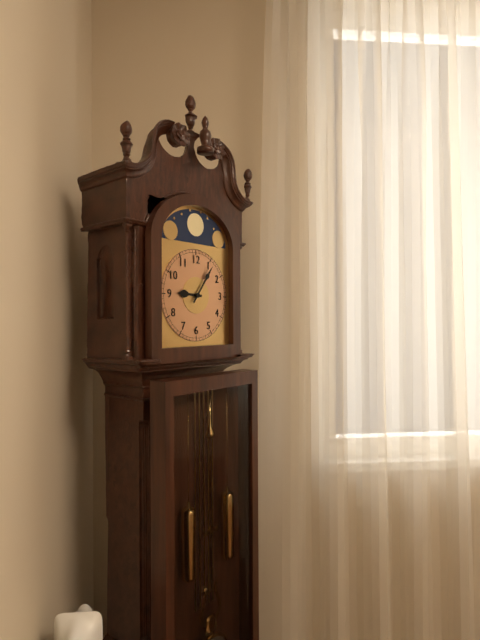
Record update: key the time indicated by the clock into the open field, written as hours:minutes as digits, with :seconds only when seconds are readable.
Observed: 9:06
